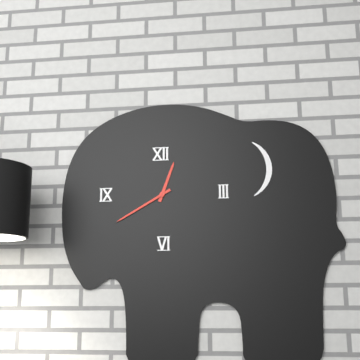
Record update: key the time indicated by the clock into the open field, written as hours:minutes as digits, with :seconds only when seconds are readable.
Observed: 12:40
